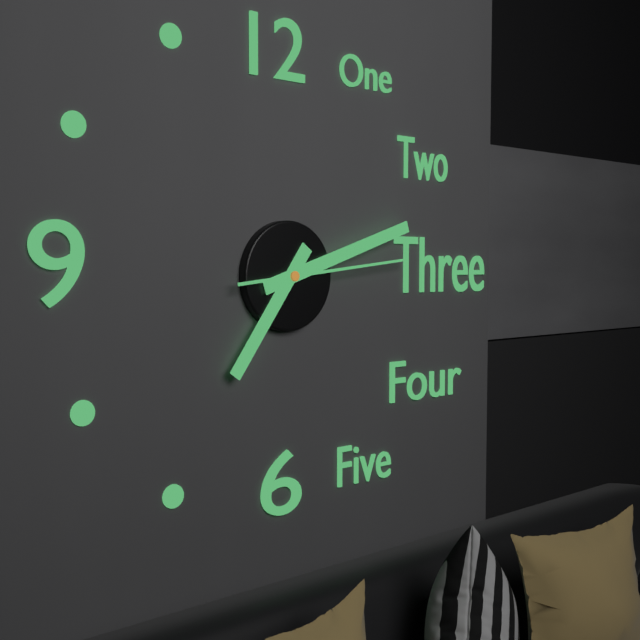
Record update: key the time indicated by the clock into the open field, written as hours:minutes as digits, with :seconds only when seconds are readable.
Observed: 7:12:14
